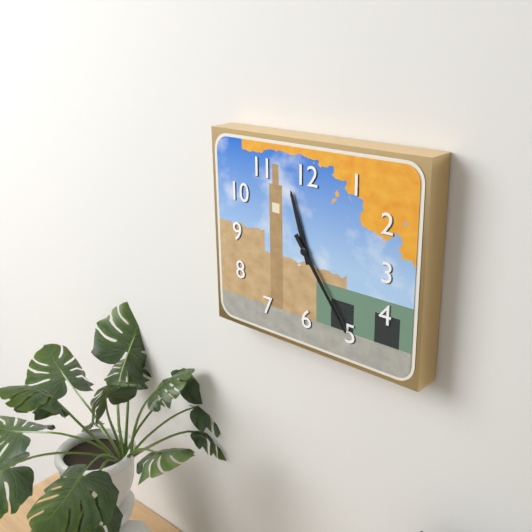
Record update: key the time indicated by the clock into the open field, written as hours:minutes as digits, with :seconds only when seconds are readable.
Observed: 11:24
